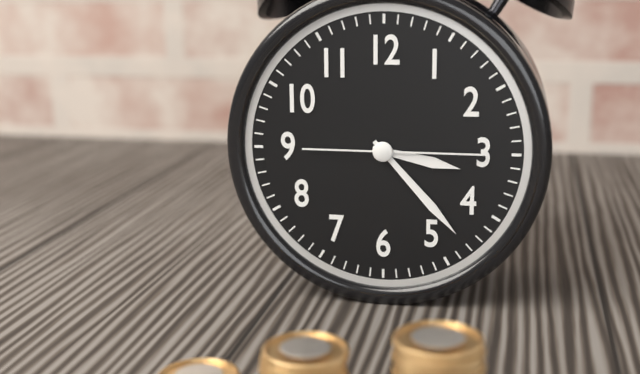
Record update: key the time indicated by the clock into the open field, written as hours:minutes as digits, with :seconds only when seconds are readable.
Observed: 3:23:15
